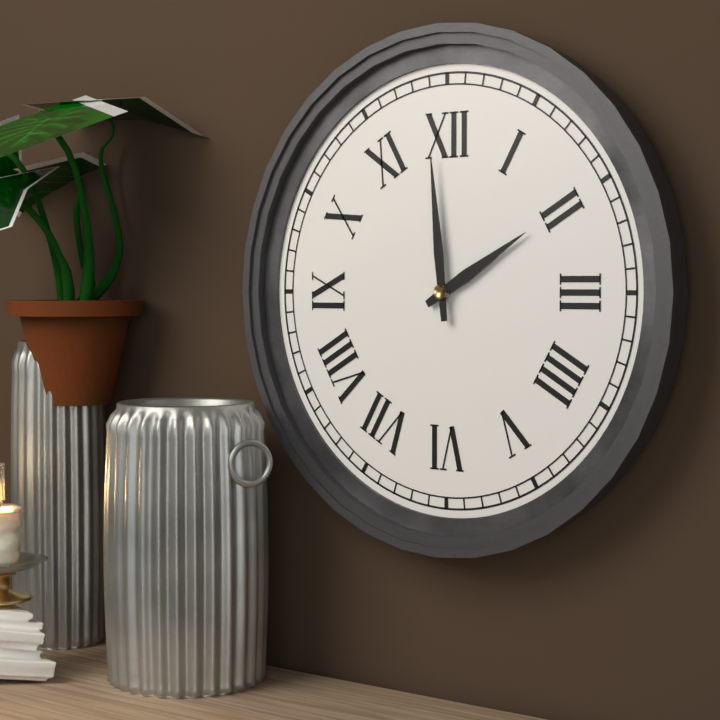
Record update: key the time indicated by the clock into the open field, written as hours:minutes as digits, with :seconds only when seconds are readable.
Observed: 1:59
